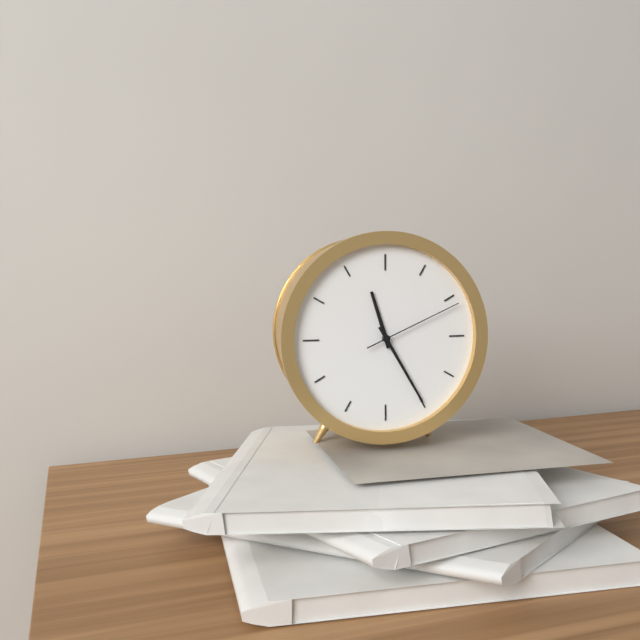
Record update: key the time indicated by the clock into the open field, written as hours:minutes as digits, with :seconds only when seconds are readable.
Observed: 11:25:11
